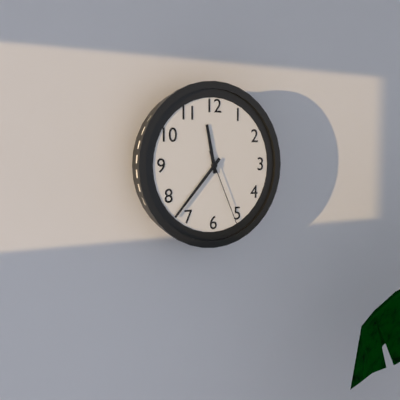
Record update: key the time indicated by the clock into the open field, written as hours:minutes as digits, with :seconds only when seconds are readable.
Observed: 11:37:26
